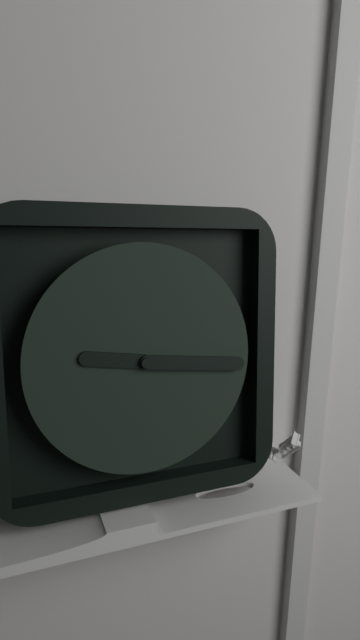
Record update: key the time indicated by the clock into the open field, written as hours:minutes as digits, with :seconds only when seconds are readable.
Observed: 9:16
